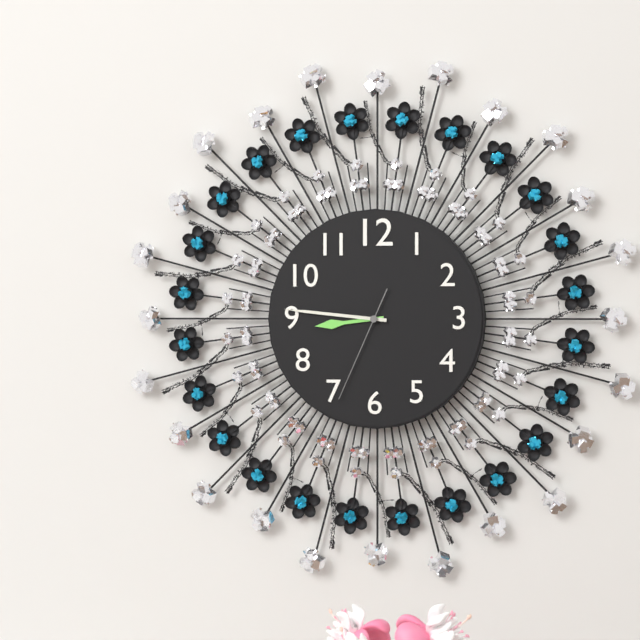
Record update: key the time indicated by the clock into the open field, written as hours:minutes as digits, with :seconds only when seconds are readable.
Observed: 8:46:34
